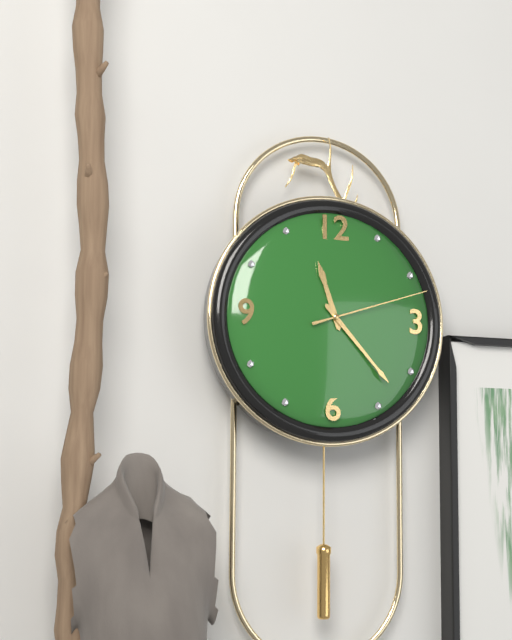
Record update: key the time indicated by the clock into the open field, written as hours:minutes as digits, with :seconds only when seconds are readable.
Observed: 11:23:12
